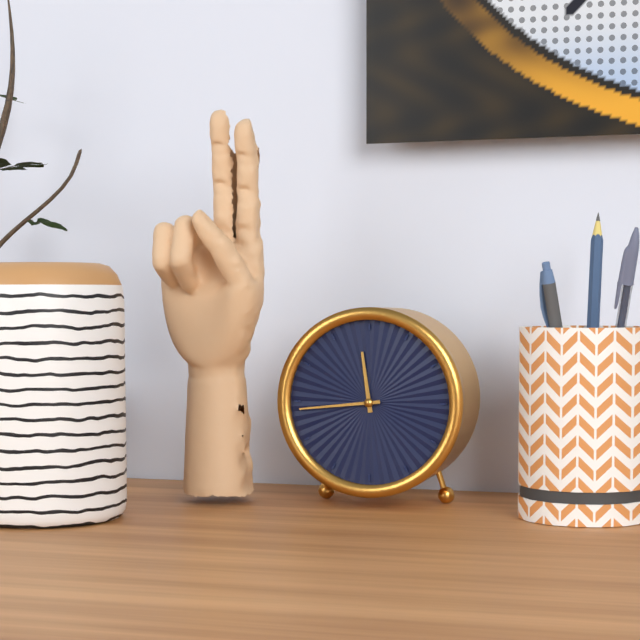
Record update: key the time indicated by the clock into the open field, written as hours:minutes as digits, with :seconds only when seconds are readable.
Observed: 11:44
